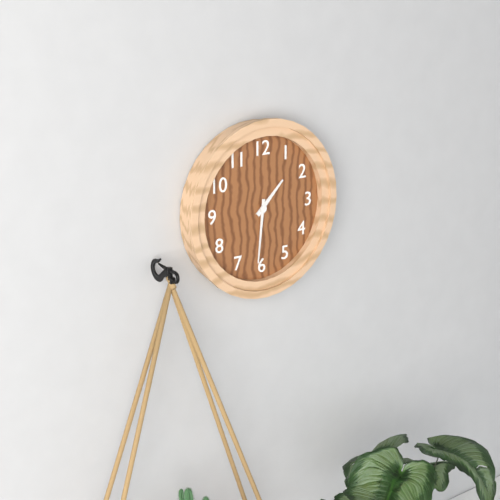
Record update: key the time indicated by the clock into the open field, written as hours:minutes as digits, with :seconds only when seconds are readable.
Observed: 1:31
